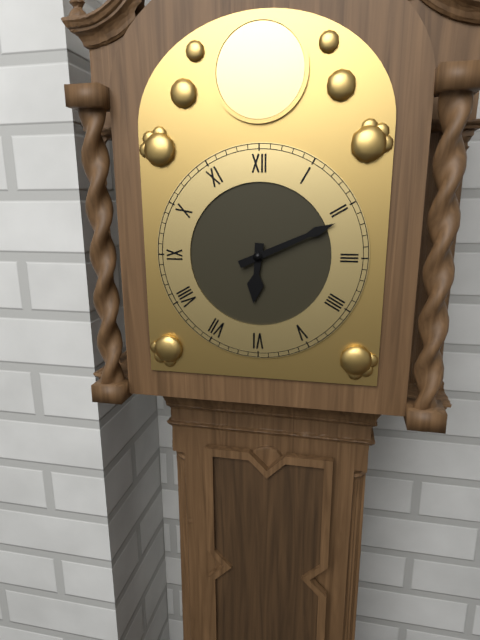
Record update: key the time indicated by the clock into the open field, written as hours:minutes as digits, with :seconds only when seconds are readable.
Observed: 6:11
